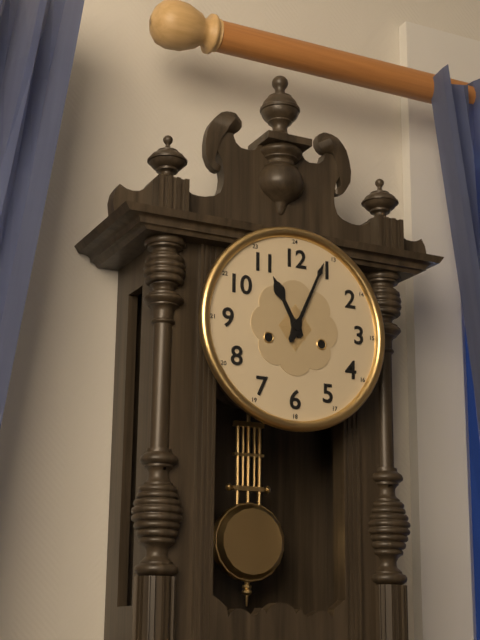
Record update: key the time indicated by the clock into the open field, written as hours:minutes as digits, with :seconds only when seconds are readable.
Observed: 11:04
